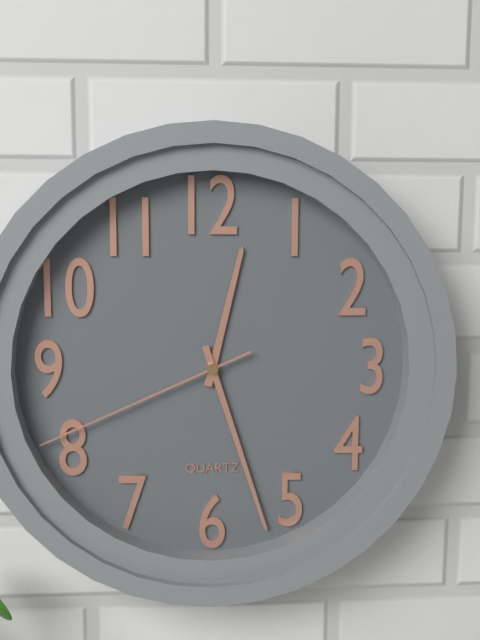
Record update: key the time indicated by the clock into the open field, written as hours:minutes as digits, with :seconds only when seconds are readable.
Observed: 12:27:41
